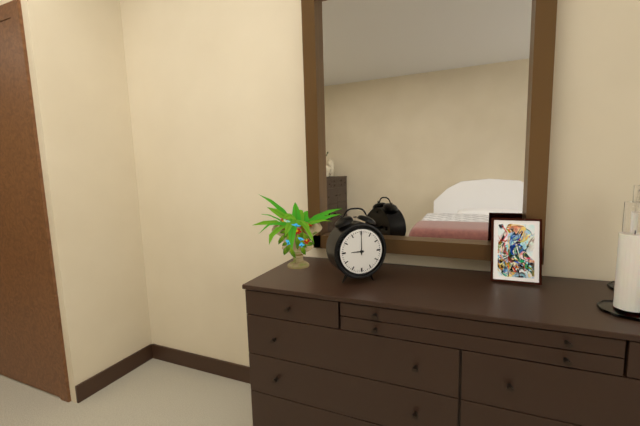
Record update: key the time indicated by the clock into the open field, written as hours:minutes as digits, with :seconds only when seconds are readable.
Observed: 9:00
